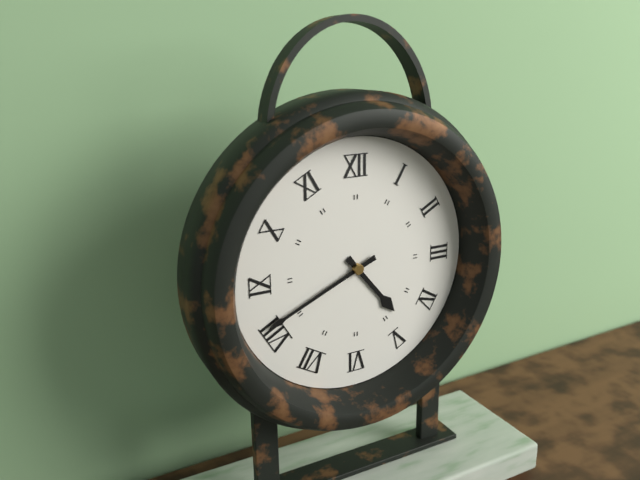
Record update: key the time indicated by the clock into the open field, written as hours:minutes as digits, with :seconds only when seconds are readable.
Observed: 4:41
